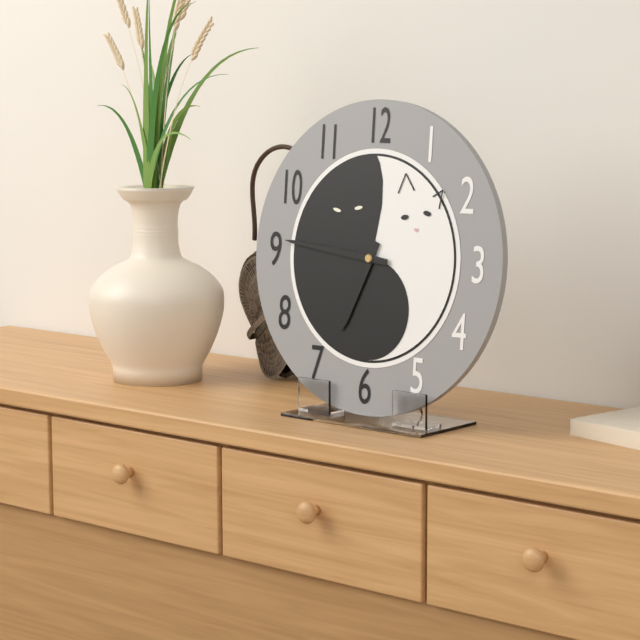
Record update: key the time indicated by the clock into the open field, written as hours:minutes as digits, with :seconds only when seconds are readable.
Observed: 6:46
